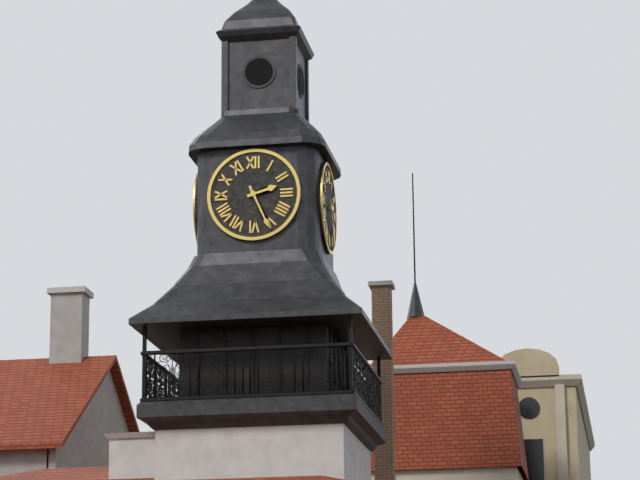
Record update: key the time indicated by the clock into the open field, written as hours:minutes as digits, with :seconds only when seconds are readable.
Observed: 2:26
